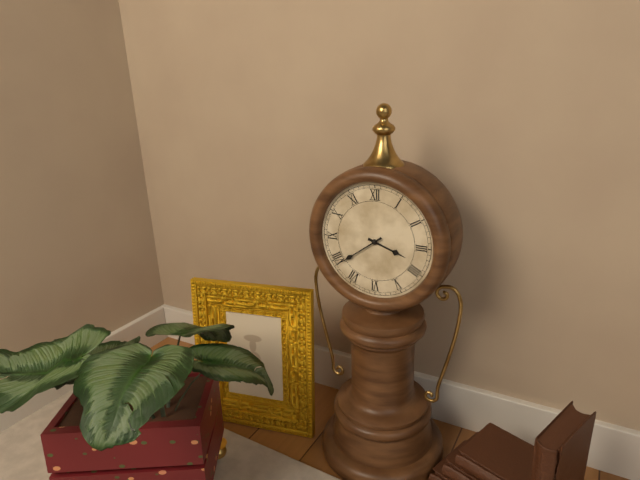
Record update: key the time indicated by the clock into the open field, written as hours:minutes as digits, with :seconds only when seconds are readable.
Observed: 3:39
